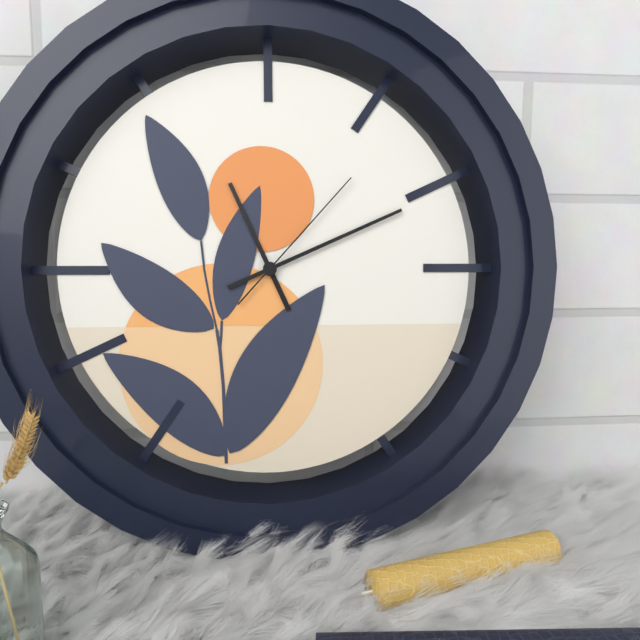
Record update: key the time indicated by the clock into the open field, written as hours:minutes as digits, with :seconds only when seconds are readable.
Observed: 11:11:07
